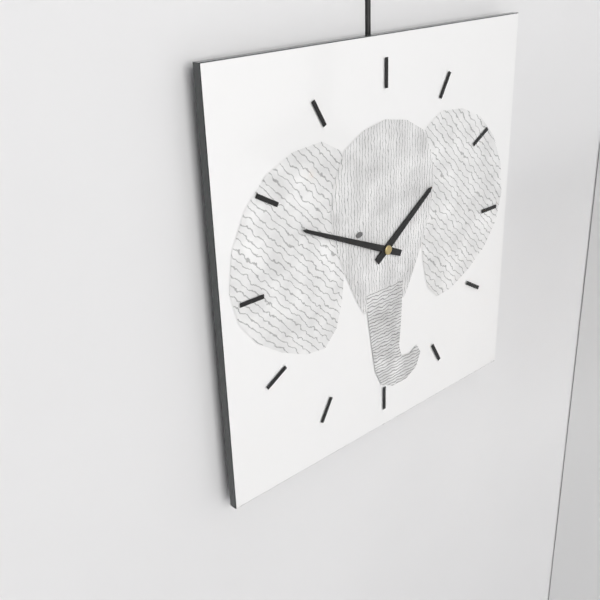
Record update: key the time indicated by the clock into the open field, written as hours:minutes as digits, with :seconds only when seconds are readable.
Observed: 1:49
